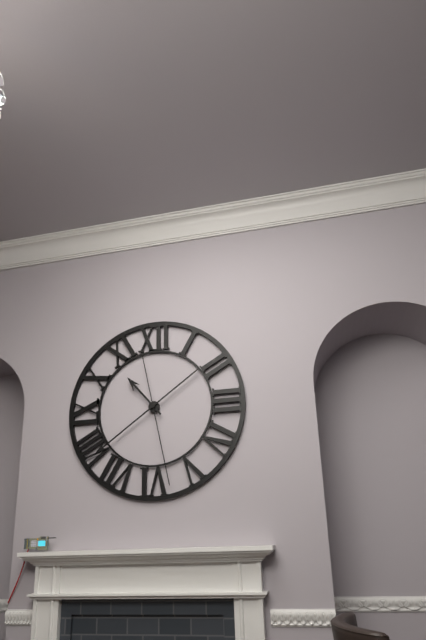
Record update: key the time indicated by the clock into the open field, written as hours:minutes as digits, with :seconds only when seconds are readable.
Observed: 10:39:28
